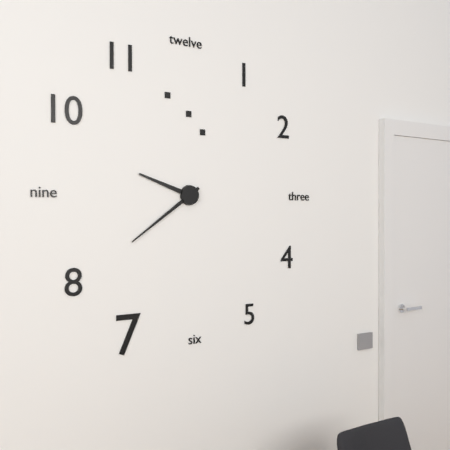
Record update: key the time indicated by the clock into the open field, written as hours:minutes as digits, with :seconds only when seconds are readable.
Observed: 9:39
